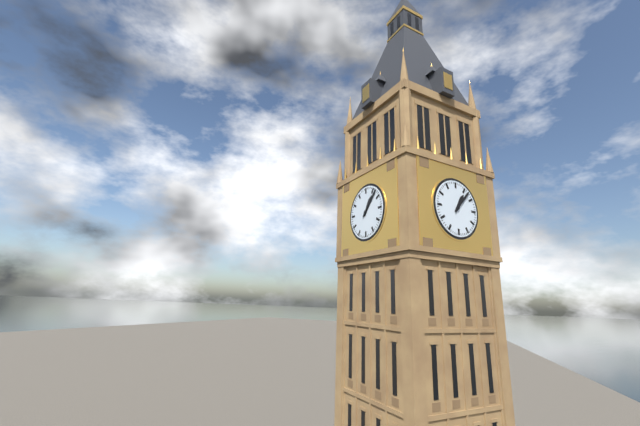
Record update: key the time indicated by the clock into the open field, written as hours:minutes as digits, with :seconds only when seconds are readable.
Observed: 1:07
